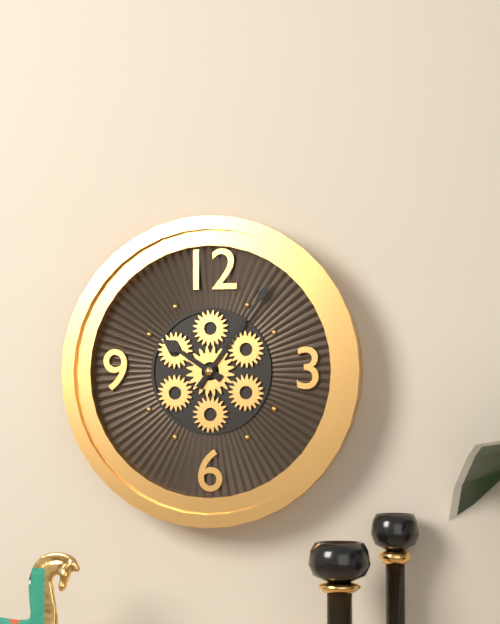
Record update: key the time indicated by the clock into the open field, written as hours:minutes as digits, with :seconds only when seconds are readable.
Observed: 10:06
